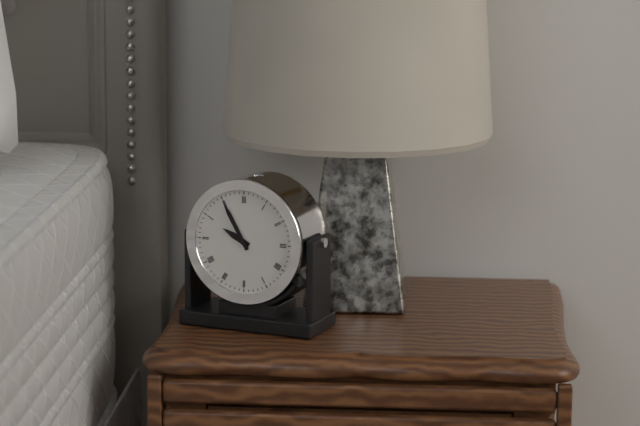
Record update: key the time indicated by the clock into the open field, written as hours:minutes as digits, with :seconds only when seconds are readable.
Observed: 9:55
